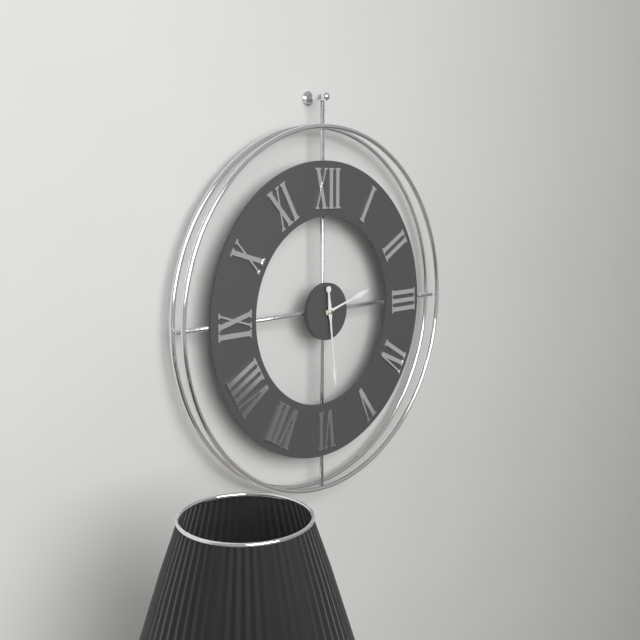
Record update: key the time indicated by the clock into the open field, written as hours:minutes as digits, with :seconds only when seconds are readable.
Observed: 2:29
